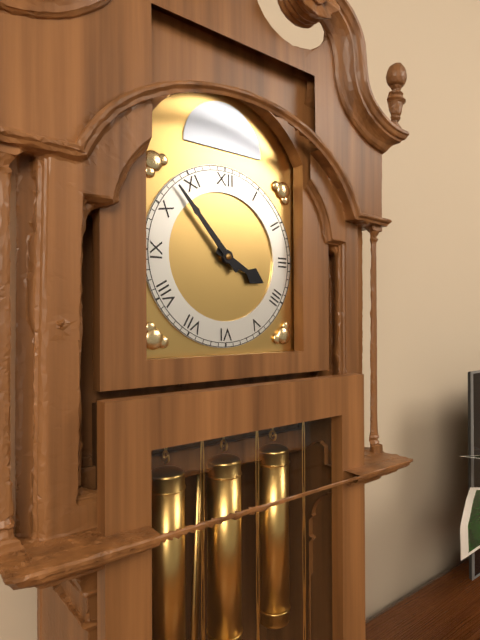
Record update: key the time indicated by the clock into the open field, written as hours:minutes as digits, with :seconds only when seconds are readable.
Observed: 3:53
